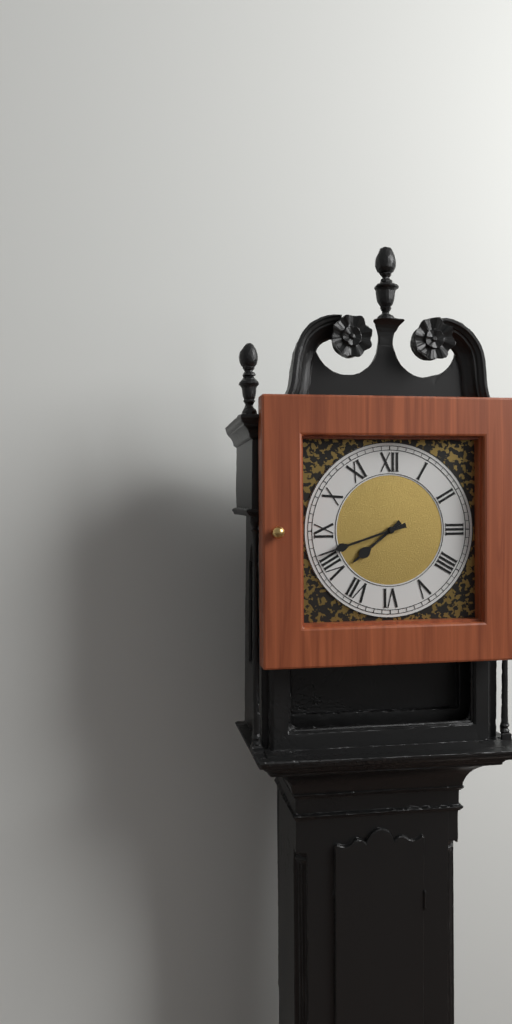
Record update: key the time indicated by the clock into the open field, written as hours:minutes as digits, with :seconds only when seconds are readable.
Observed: 7:42
